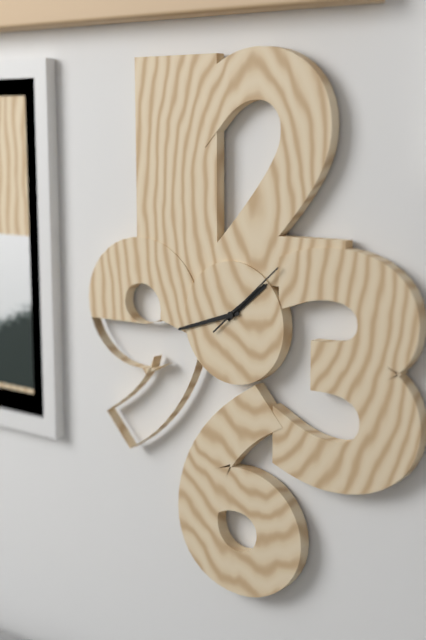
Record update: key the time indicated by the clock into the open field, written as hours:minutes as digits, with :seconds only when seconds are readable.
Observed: 1:42:08
